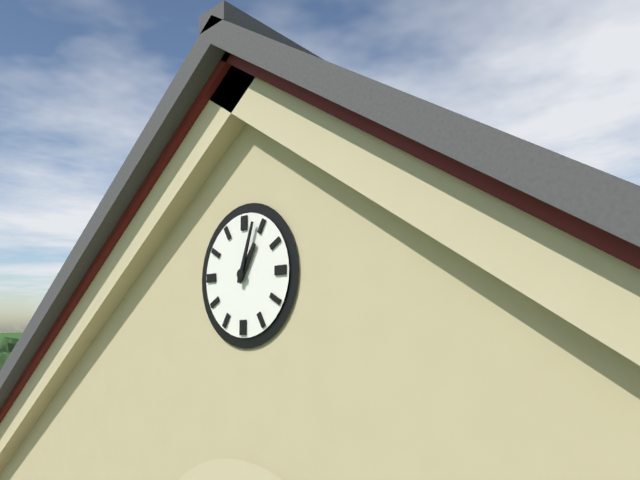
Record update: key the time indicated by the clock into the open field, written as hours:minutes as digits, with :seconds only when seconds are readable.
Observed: 1:03
